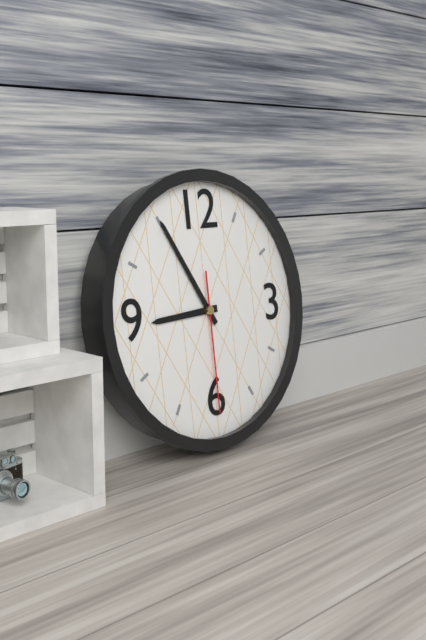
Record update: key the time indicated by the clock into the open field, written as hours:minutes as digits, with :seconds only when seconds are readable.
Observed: 8:55:30
